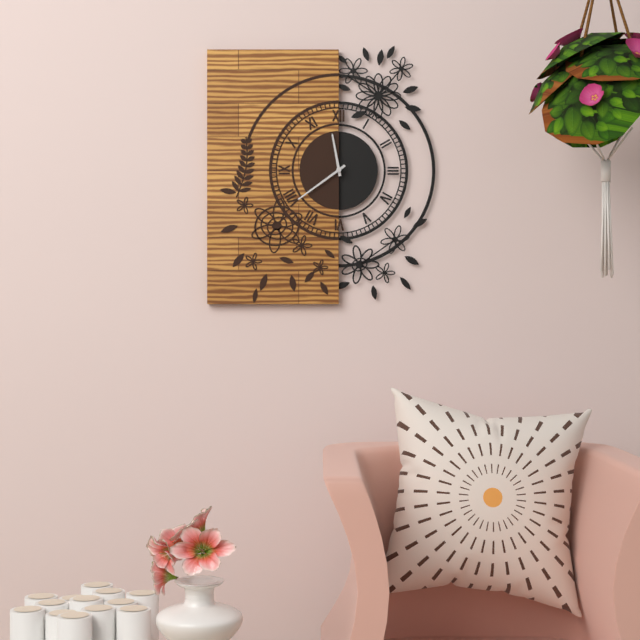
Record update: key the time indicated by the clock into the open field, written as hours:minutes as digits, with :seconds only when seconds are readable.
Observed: 11:39
